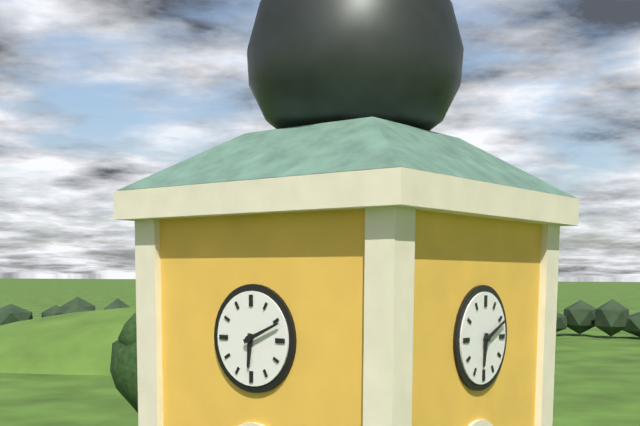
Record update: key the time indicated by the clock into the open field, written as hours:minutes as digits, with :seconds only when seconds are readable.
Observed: 6:11
